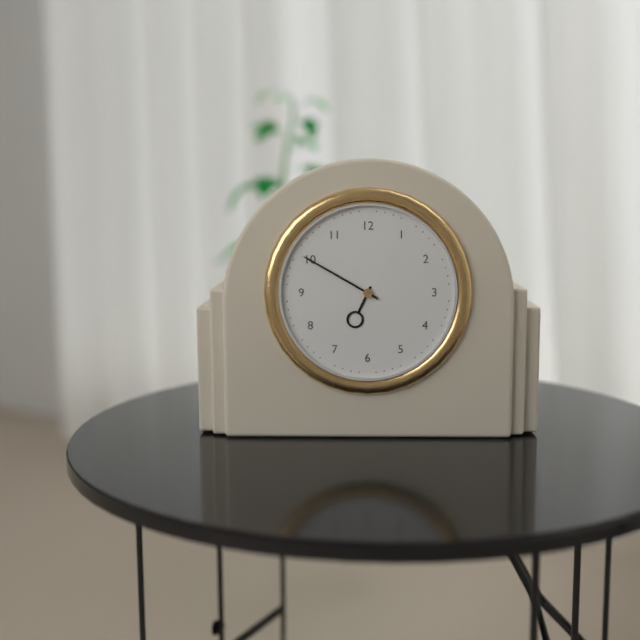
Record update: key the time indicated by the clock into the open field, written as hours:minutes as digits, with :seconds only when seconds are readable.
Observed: 6:50
